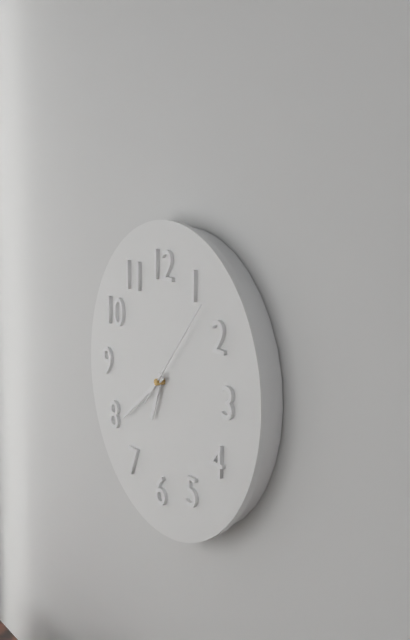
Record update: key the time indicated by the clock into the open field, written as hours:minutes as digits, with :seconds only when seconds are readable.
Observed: 6:39:07
